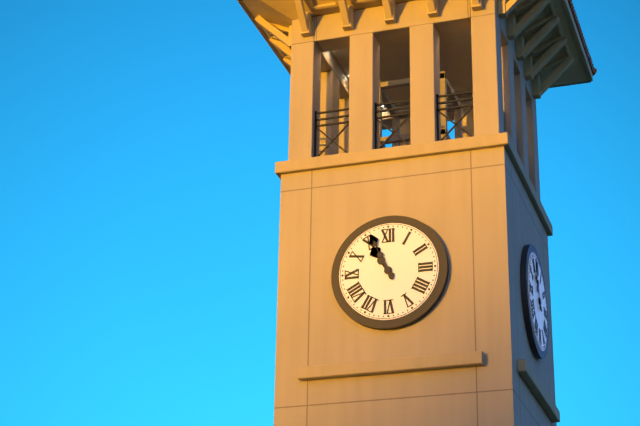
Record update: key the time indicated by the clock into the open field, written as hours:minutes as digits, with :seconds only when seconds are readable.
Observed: 10:56
